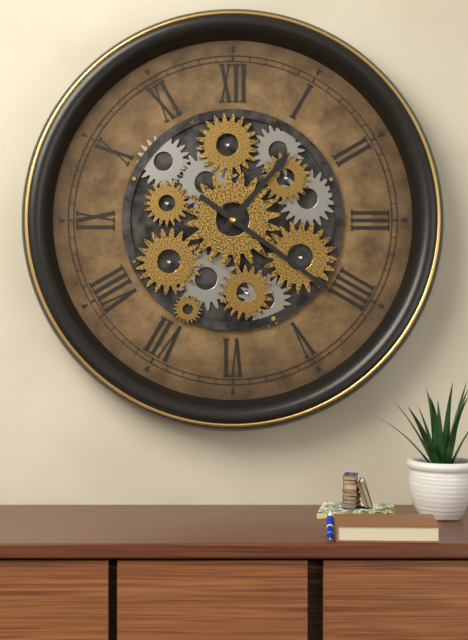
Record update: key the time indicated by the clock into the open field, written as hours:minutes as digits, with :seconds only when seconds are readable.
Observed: 1:21
